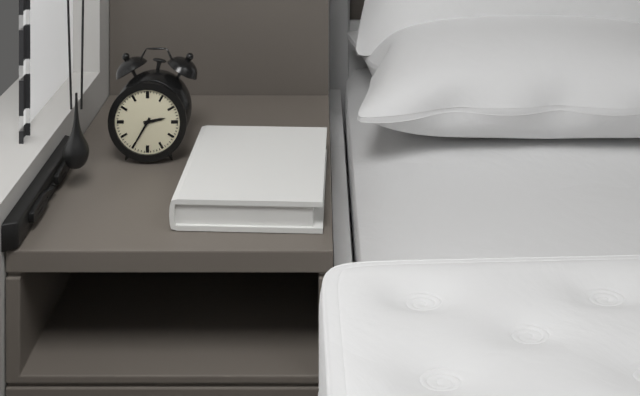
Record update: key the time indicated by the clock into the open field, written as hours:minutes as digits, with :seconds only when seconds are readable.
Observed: 2:35
